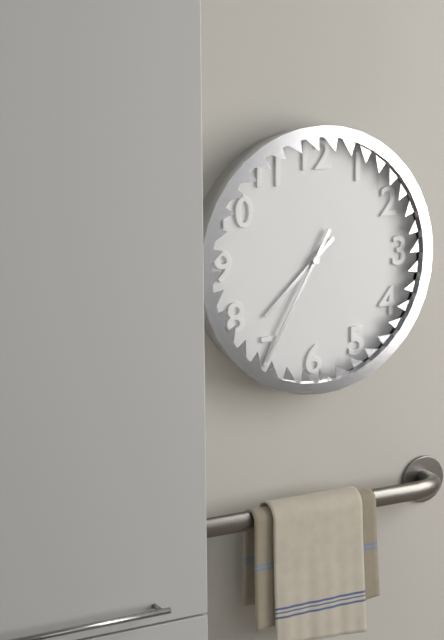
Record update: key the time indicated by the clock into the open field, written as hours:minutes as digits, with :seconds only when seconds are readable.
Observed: 7:35
